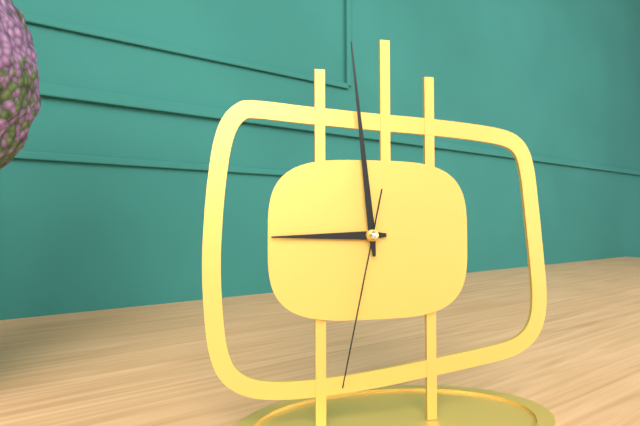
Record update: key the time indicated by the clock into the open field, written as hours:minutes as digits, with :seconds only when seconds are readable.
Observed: 8:59:32
